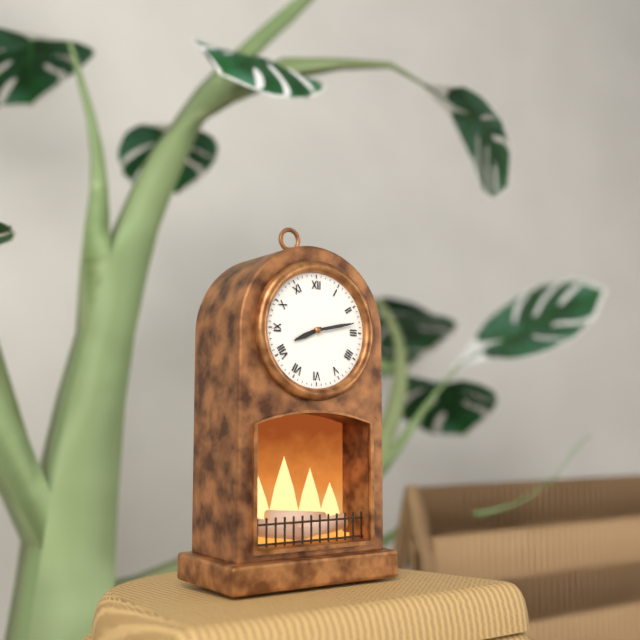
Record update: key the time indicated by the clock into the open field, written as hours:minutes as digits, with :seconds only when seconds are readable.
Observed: 8:13
